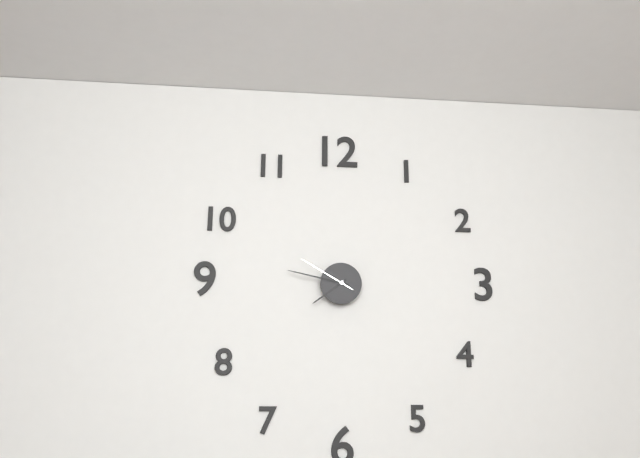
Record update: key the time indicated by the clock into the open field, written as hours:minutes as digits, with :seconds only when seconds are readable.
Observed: 7:47:50
